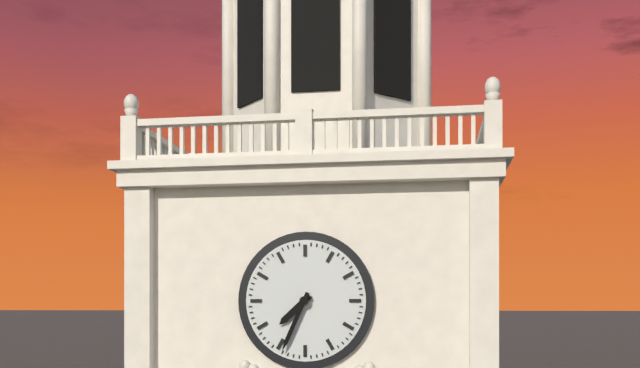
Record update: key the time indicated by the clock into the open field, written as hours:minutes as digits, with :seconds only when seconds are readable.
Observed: 7:34
